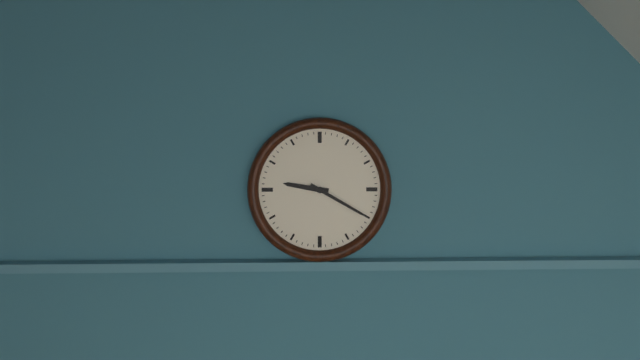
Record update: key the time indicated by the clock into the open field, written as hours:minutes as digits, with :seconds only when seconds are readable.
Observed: 9:20
